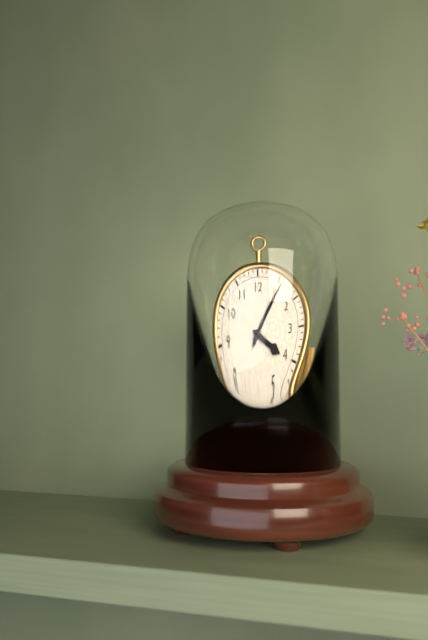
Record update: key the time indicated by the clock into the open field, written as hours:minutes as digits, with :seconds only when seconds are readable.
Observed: 4:06
